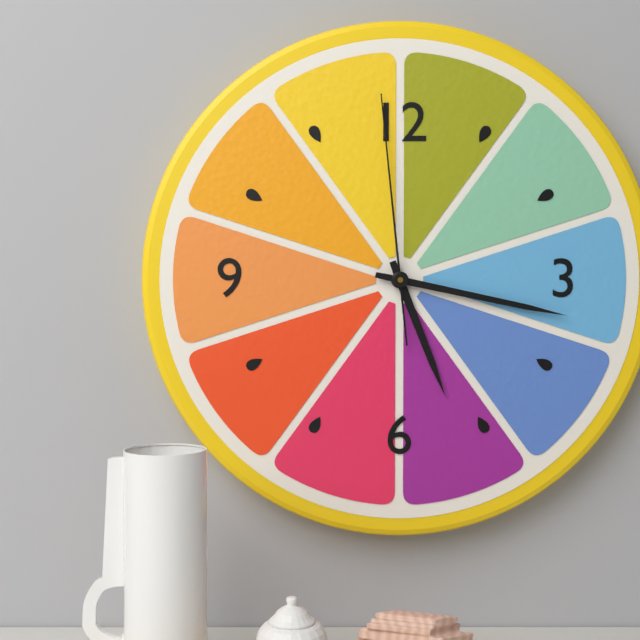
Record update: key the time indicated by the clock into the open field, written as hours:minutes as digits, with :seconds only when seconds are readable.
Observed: 5:17:59
